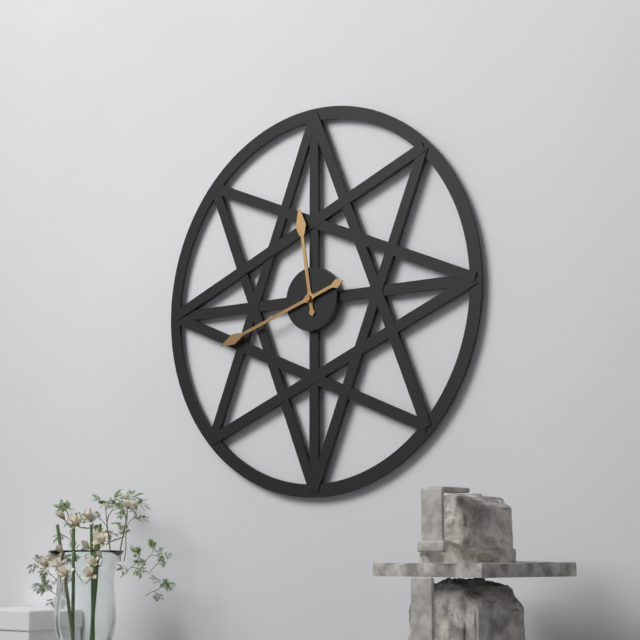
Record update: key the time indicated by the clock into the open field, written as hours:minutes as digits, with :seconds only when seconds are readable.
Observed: 11:42
